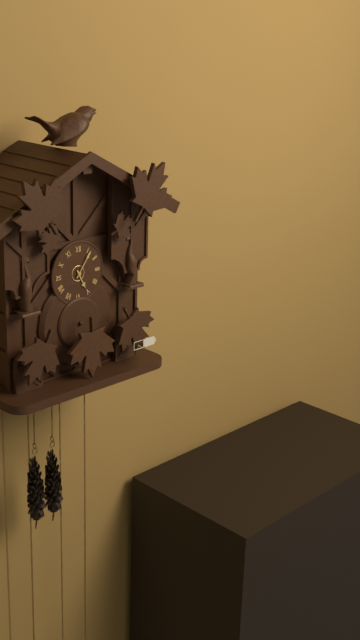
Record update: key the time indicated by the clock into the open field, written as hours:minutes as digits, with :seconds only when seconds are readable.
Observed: 5:06
